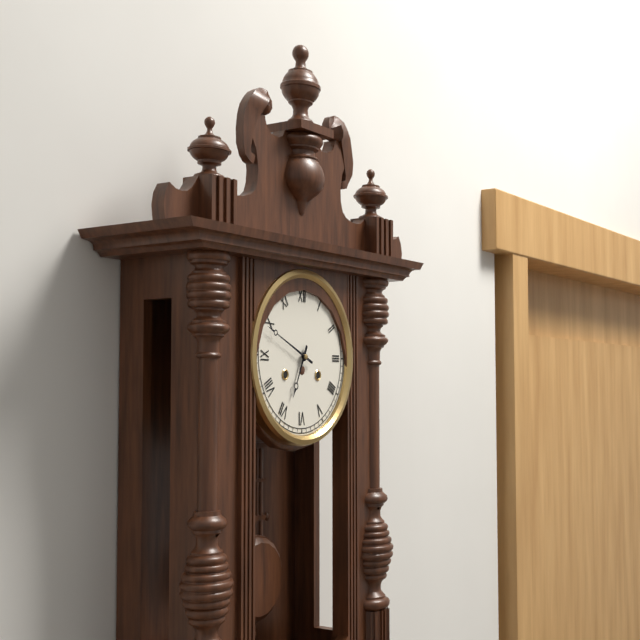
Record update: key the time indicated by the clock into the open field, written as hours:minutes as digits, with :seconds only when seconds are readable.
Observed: 6:49
